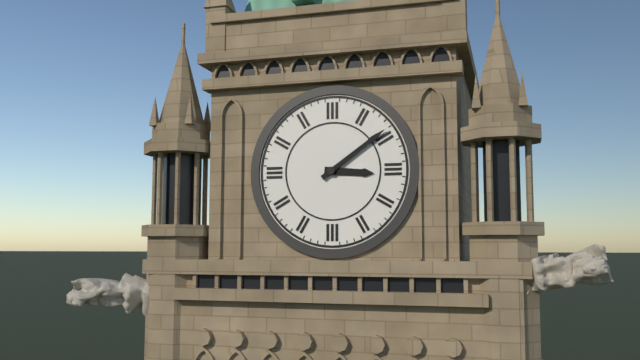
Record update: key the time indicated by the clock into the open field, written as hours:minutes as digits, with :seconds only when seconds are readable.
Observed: 3:09
